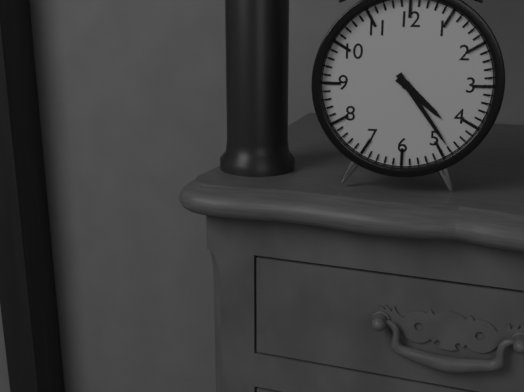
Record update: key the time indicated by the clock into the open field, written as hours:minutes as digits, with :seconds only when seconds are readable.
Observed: 4:24
